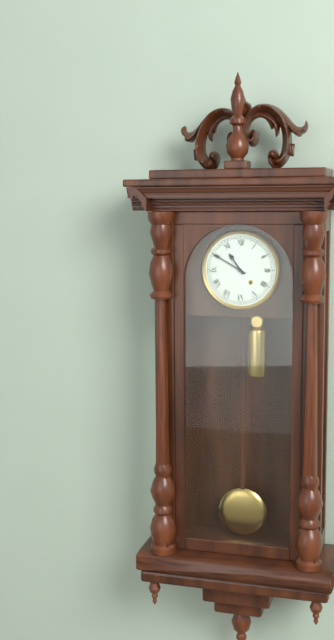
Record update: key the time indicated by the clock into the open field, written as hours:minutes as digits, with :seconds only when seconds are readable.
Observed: 10:50
